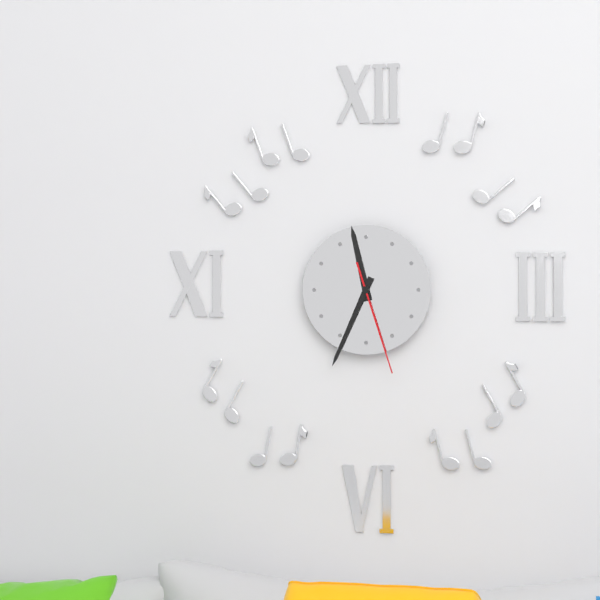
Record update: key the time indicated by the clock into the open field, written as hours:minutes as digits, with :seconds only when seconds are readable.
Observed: 11:34:27
